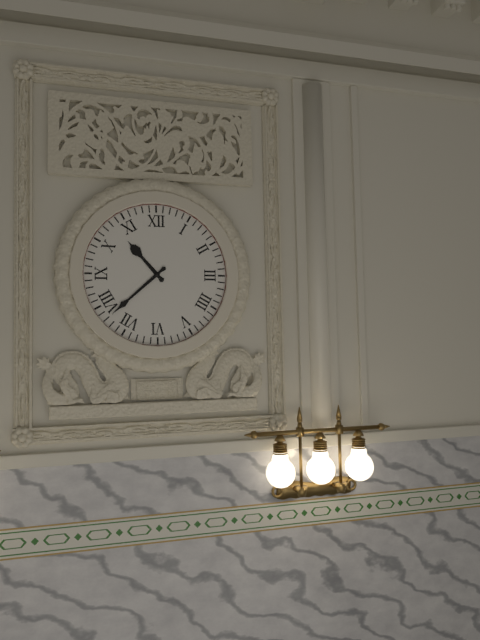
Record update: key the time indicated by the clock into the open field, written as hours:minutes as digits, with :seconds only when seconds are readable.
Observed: 10:38
